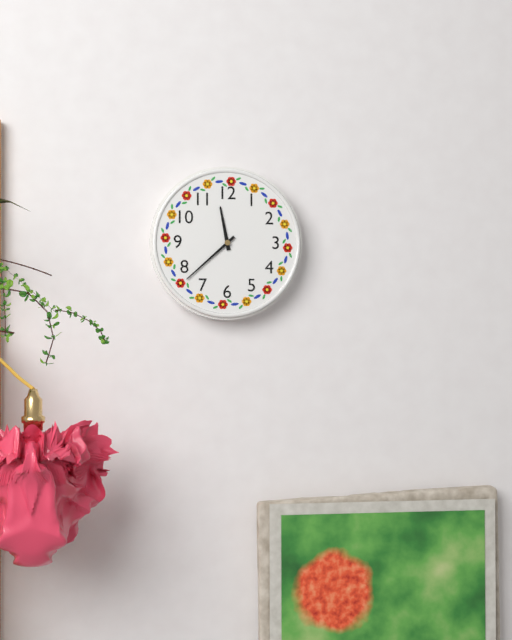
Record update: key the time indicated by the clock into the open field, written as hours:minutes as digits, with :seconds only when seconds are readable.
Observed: 11:38
